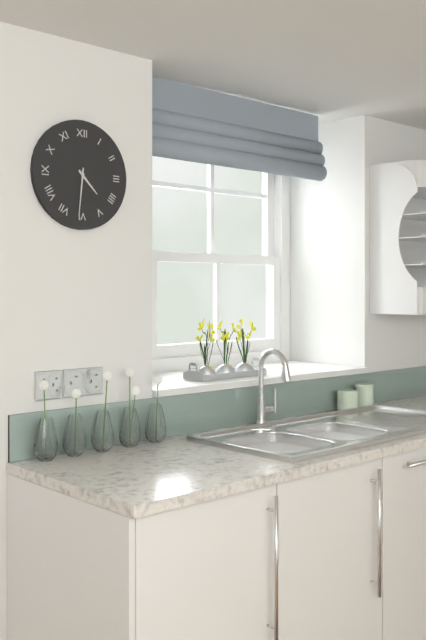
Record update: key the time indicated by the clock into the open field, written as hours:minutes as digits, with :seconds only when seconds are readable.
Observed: 4:31
